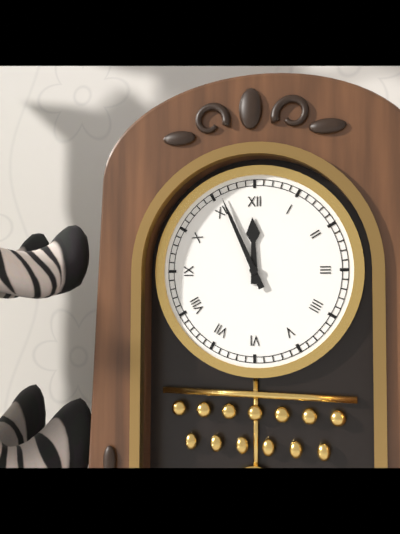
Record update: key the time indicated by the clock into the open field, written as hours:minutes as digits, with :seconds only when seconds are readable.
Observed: 11:56
